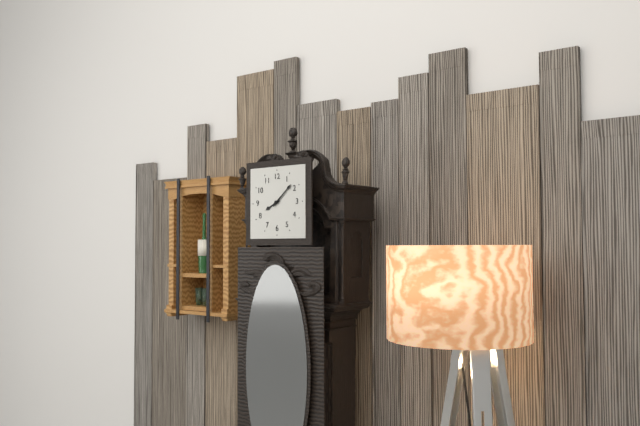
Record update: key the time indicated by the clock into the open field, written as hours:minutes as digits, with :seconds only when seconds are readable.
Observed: 8:08
